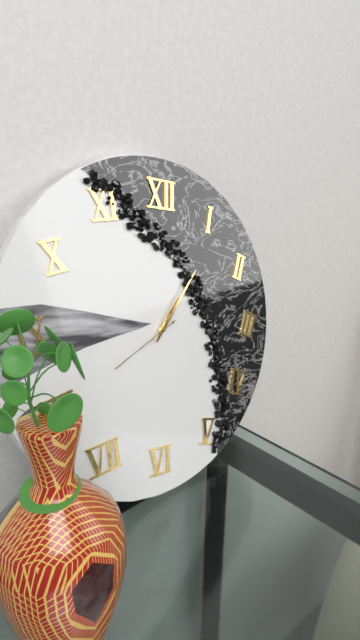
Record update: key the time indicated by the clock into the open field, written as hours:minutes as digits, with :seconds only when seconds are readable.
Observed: 1:06:40
